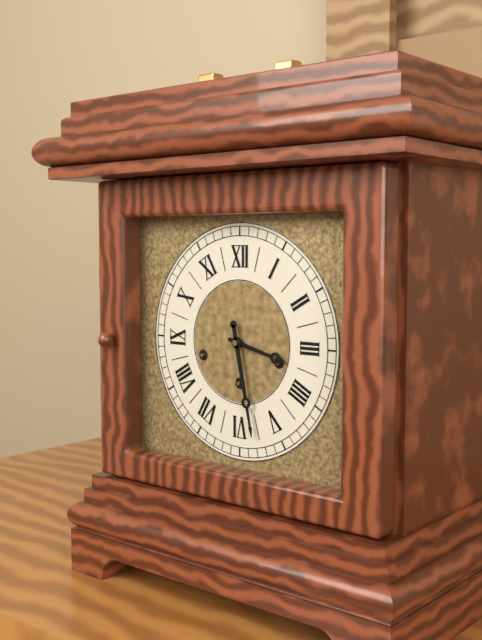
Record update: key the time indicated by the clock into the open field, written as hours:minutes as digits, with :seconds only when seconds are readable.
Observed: 3:28
